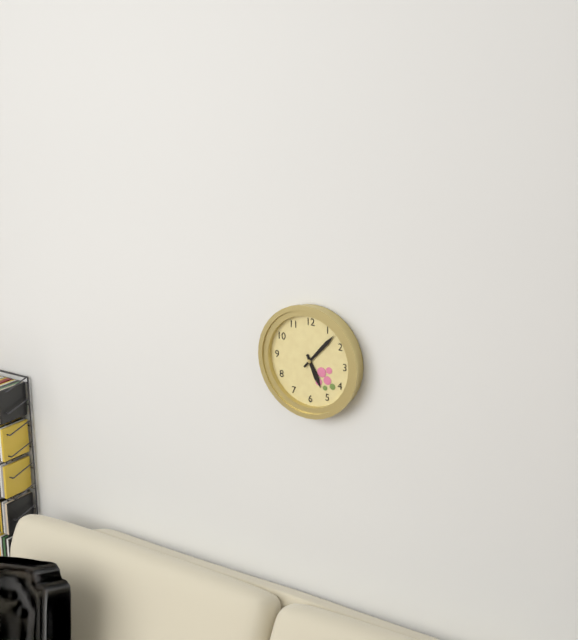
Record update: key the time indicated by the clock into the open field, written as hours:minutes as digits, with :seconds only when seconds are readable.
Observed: 5:07
